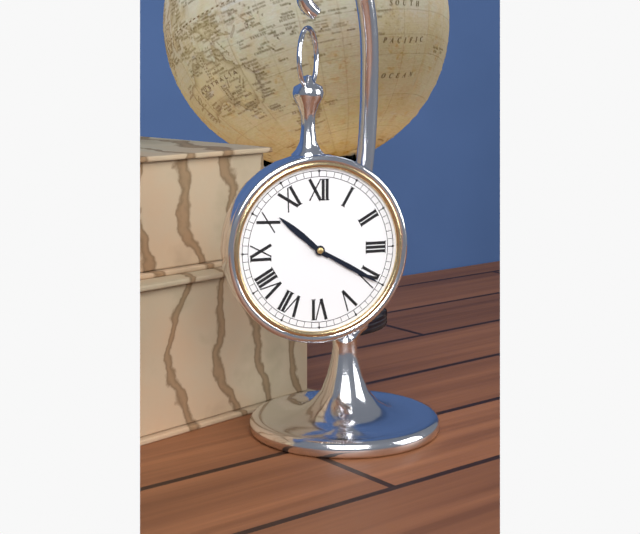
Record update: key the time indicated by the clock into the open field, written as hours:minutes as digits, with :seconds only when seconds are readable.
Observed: 10:20
